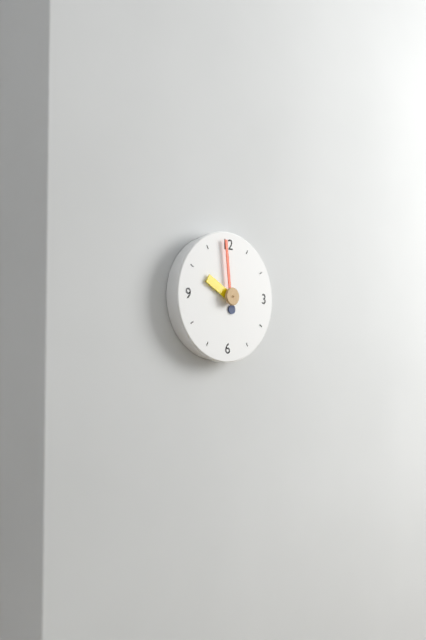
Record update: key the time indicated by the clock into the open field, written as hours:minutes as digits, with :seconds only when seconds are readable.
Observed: 9:59
